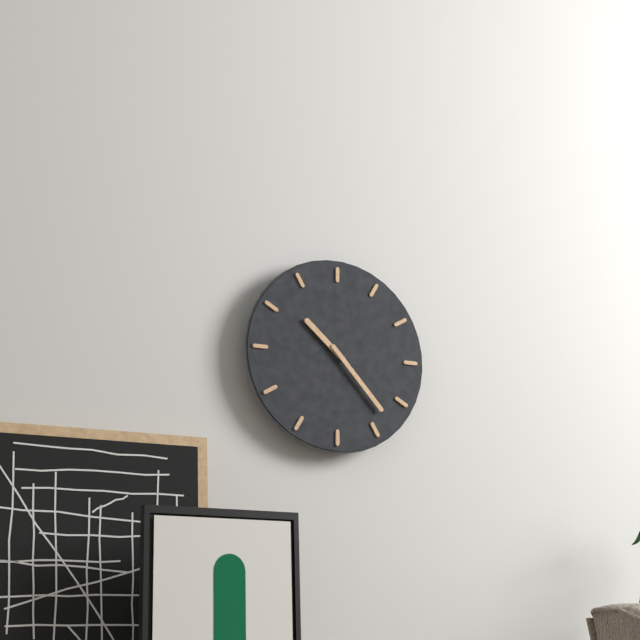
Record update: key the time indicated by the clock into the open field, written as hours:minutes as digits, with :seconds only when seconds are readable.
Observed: 10:23
